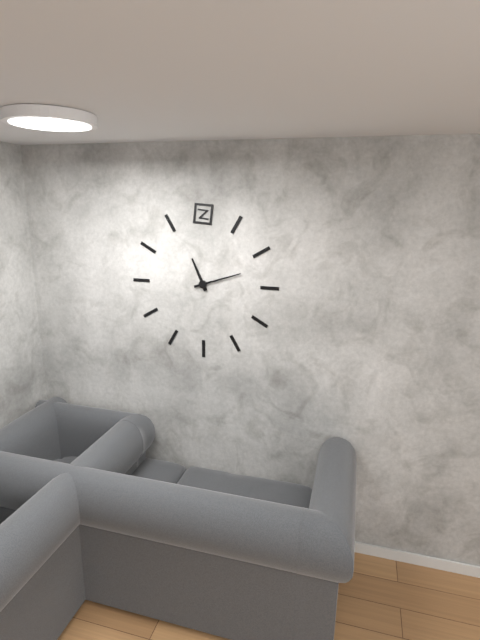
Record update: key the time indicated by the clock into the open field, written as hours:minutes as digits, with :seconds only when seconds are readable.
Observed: 11:12
